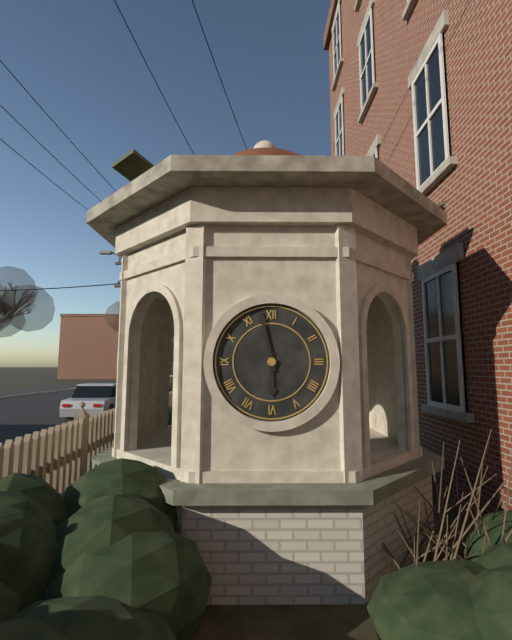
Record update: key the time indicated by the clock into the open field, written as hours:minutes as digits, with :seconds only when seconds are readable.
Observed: 5:58
